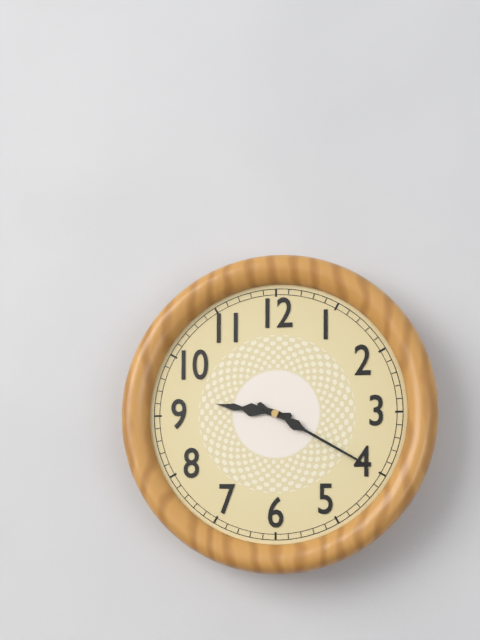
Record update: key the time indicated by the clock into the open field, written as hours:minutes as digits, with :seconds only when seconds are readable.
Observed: 9:20
